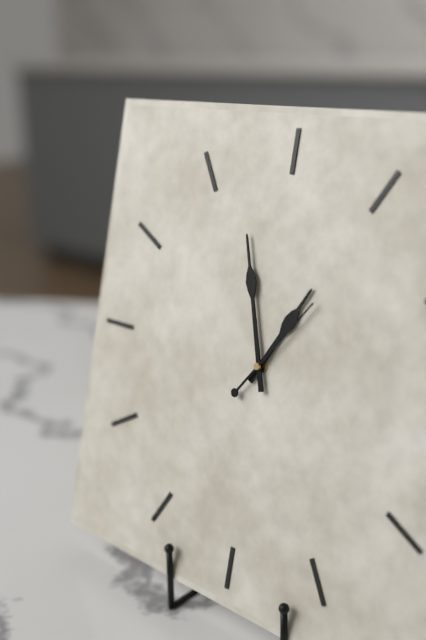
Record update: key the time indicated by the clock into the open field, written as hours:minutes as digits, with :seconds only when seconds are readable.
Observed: 12:57:06
